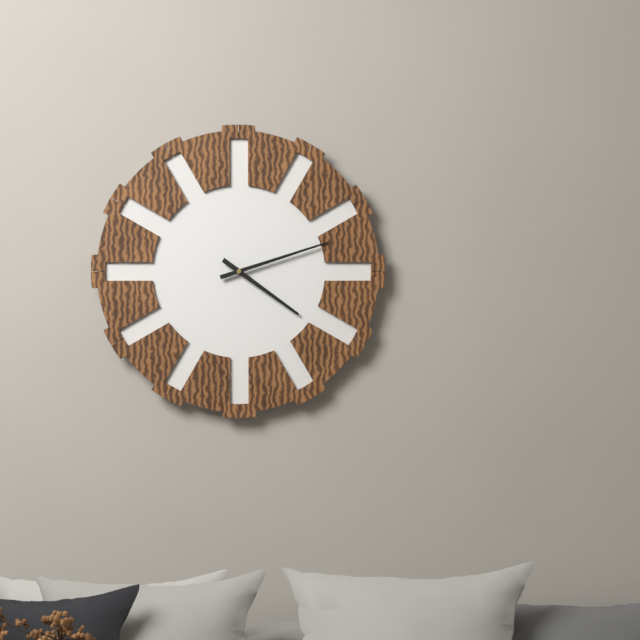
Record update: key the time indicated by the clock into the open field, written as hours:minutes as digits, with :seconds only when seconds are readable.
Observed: 4:12
